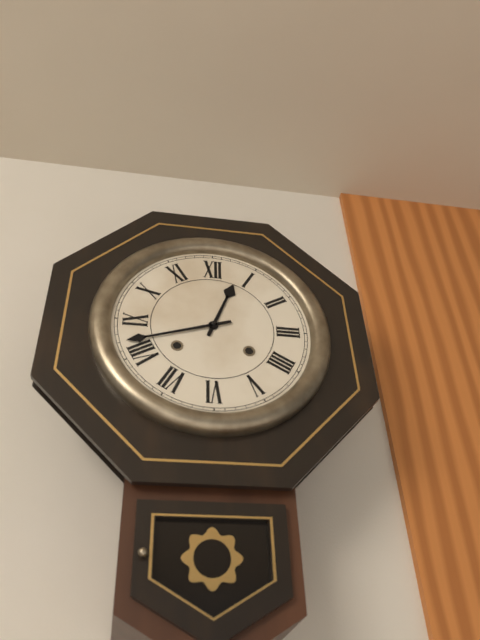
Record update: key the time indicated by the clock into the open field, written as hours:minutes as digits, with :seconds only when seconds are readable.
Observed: 12:42
